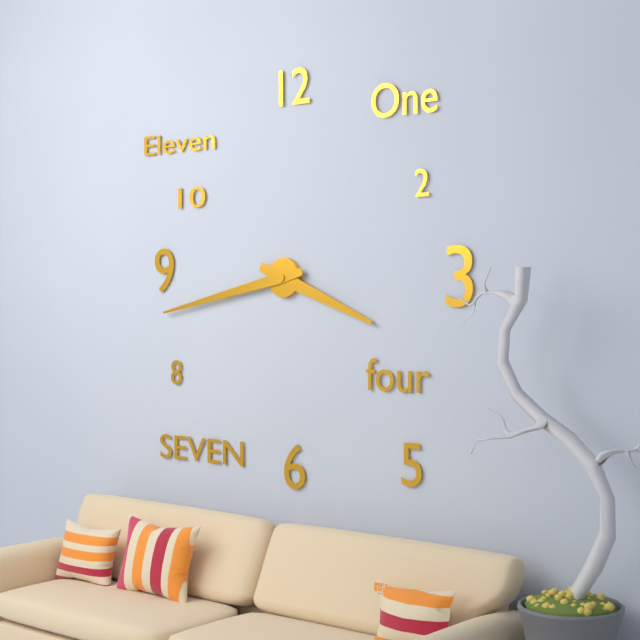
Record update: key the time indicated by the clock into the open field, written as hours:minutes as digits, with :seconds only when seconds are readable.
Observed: 3:43
